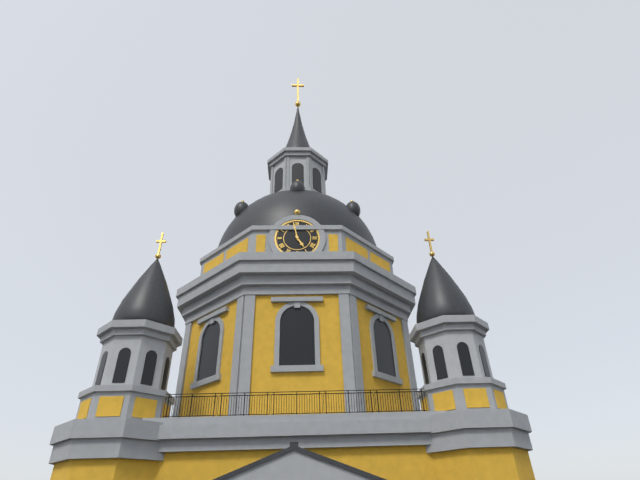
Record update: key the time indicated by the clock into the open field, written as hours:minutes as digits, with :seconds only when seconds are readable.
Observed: 4:58
